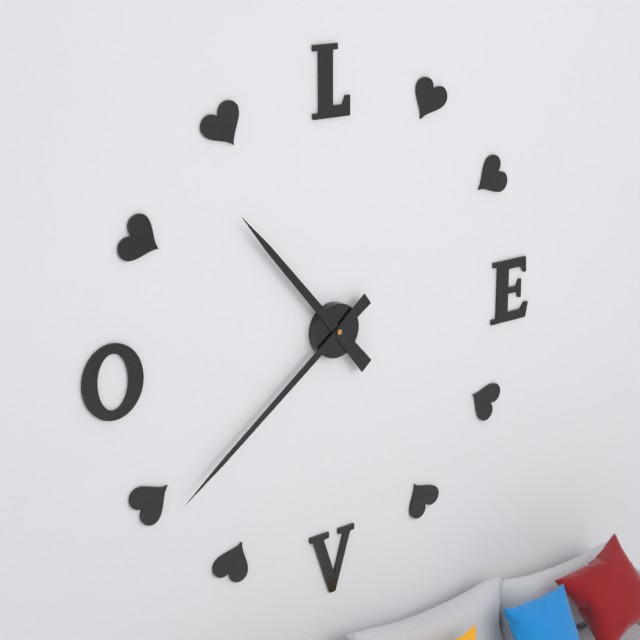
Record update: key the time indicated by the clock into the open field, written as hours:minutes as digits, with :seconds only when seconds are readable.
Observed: 10:39
